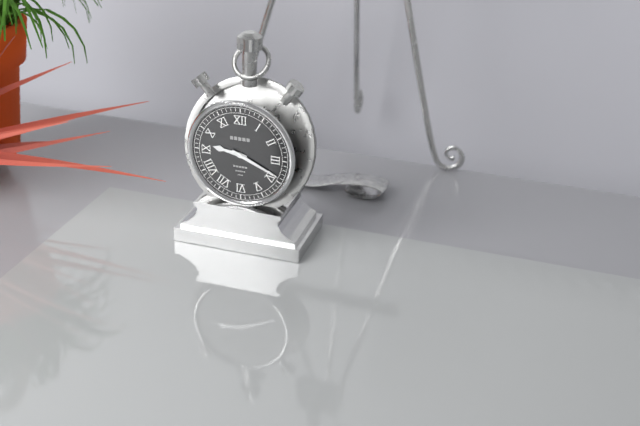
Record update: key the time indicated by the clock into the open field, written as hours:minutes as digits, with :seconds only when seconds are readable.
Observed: 9:19
